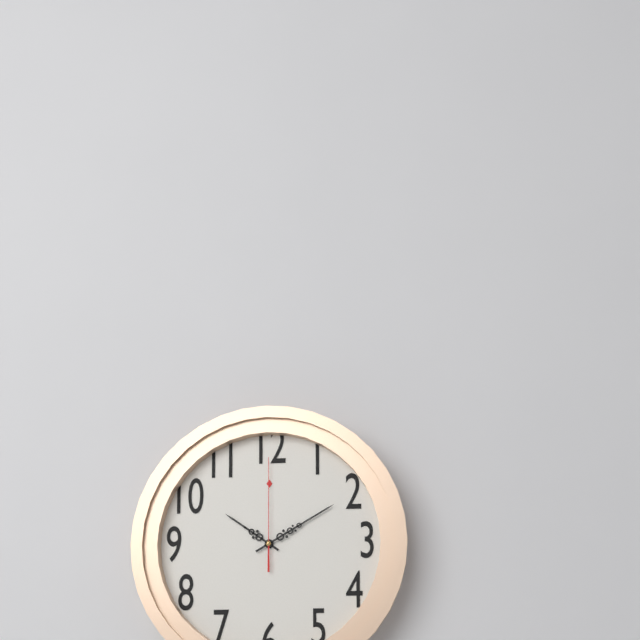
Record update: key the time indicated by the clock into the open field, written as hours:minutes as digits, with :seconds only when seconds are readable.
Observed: 10:10:00
